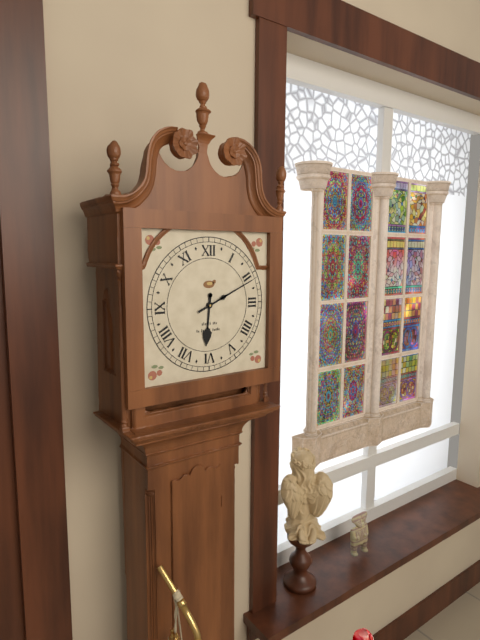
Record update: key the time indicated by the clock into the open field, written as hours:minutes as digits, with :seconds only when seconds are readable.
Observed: 6:11
